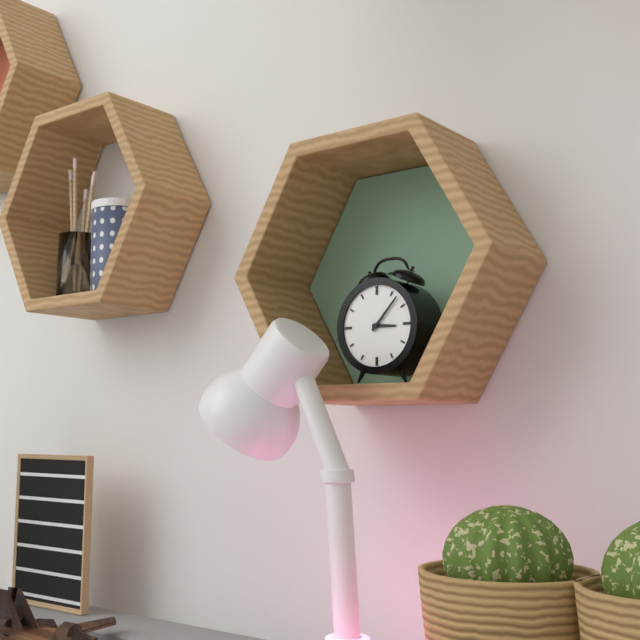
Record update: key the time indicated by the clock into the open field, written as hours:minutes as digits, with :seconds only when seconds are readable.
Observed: 3:07
